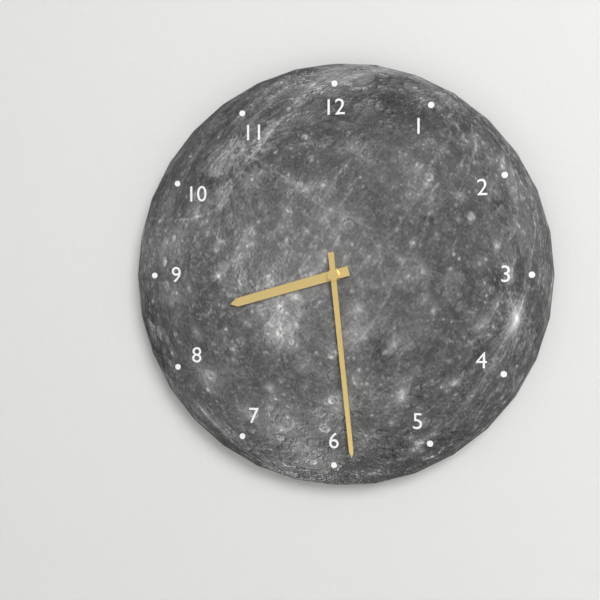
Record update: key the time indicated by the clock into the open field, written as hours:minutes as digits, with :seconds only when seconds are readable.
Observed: 8:29
